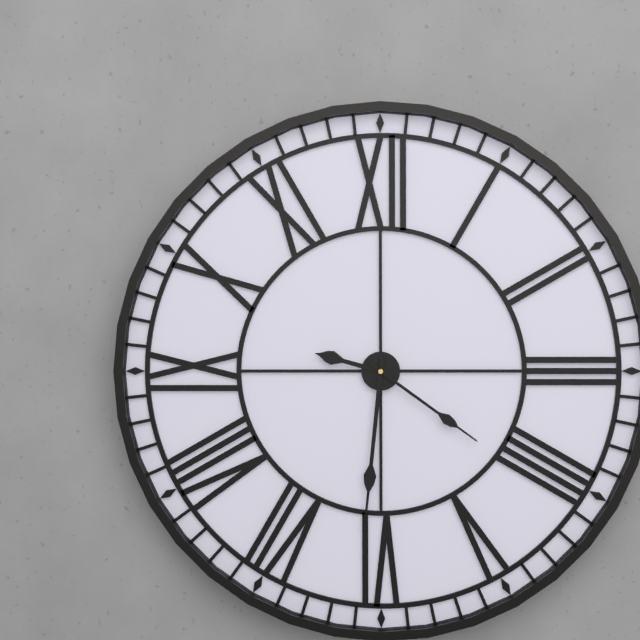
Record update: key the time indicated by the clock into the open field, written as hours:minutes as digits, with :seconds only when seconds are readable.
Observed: 9:31:21
